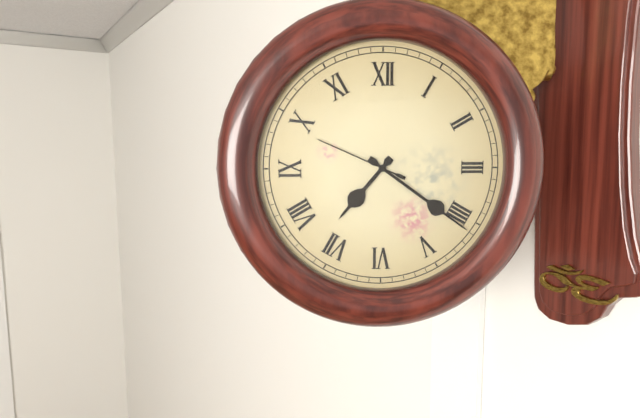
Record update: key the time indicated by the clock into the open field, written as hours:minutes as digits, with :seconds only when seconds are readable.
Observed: 7:21:49
